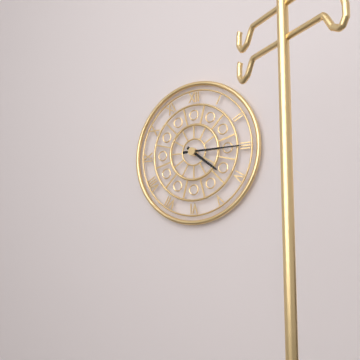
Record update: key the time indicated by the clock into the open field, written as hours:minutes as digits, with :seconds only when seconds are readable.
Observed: 4:15
